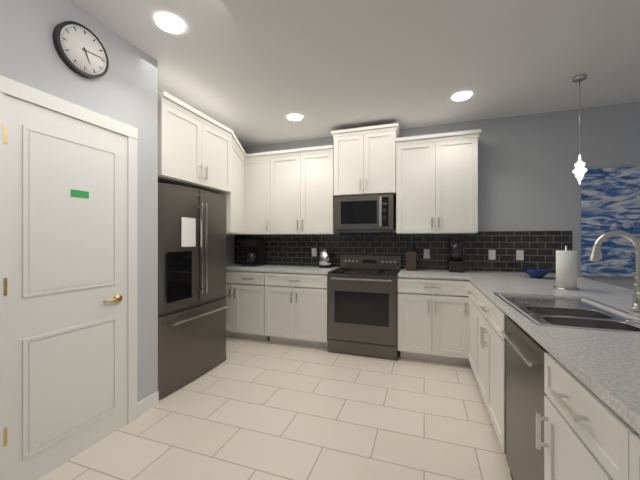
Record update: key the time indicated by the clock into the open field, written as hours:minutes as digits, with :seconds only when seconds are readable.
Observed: 5:14
